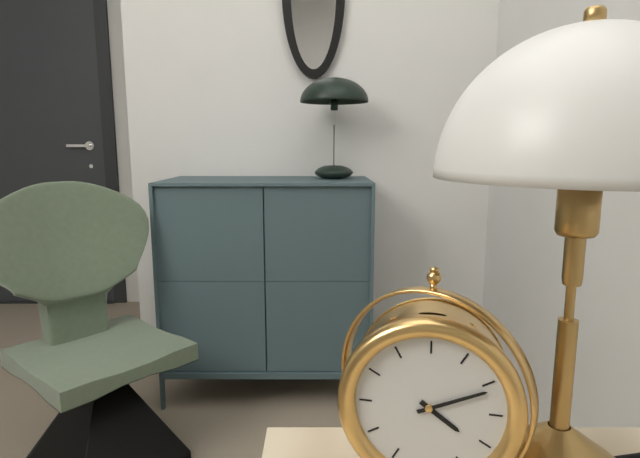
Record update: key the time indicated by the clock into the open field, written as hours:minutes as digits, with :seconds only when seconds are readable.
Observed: 4:11
